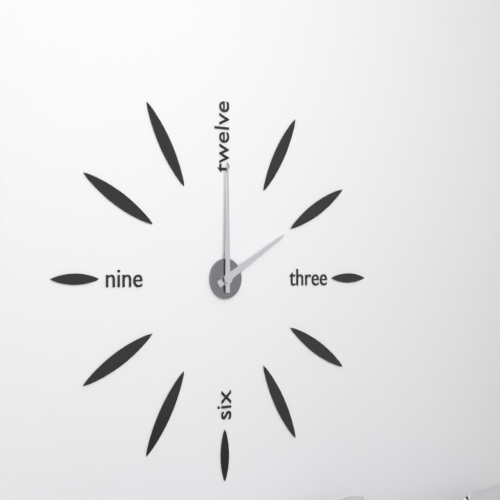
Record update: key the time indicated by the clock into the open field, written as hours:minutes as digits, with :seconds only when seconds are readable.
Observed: 2:00
